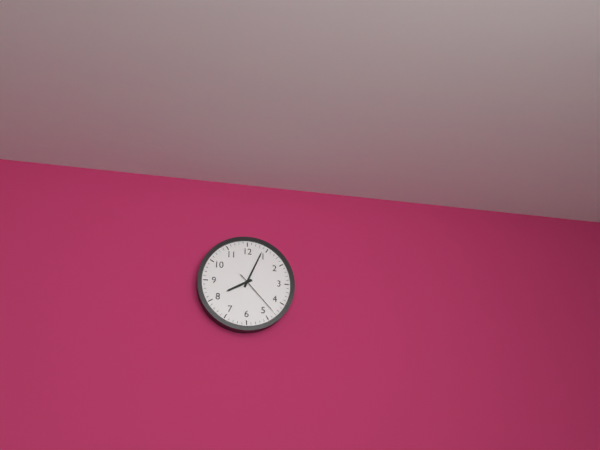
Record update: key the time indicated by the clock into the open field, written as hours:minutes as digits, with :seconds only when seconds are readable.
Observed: 8:04
